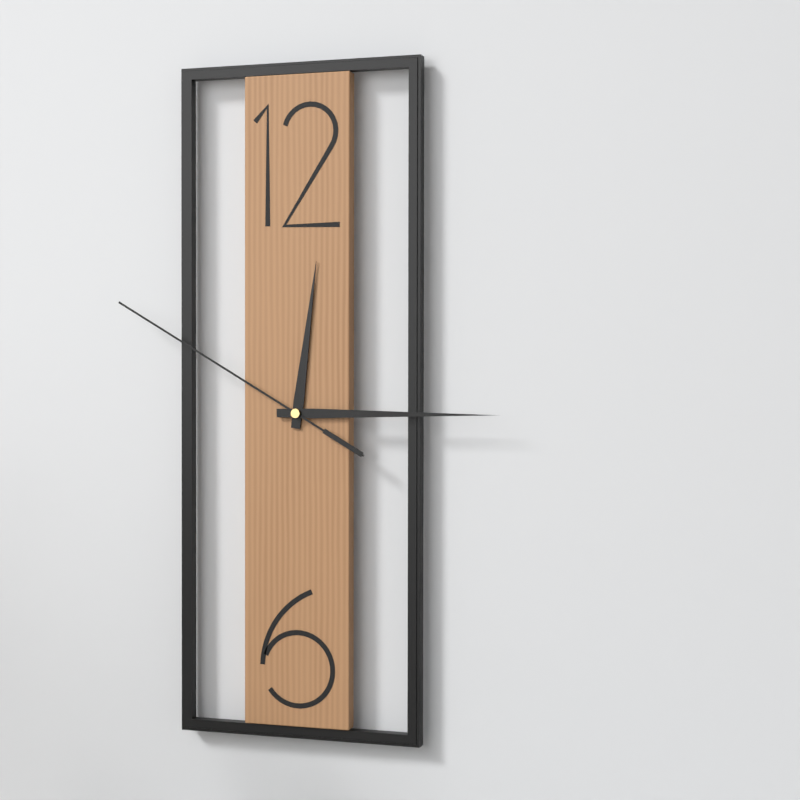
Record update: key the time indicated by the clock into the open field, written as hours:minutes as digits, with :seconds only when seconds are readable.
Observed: 12:15:50
